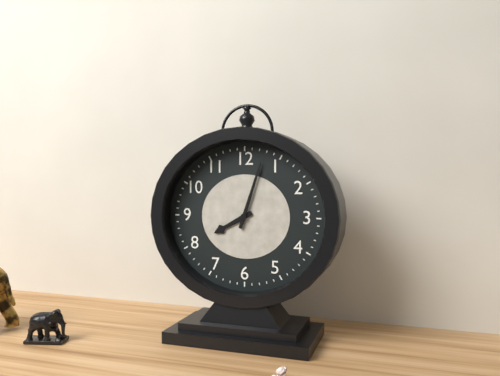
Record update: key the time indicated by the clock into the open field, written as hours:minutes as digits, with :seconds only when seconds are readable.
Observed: 8:03
